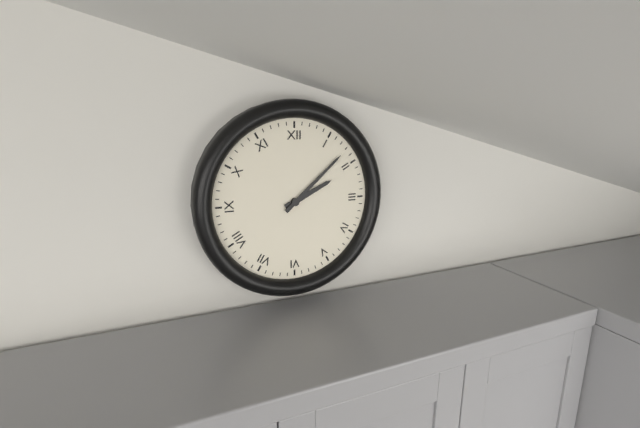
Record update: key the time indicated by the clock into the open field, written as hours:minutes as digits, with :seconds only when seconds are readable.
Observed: 2:08
